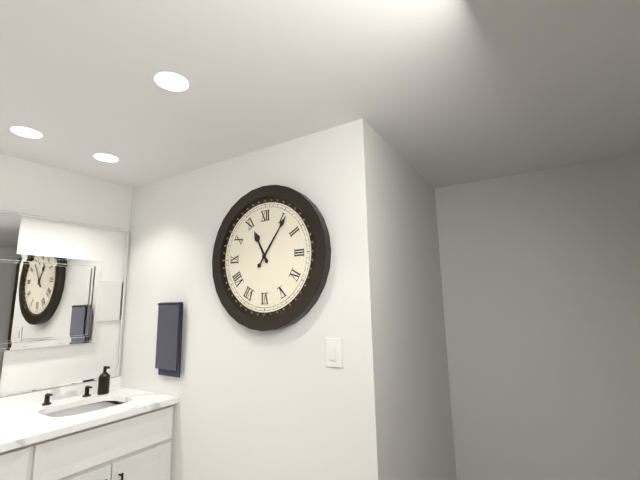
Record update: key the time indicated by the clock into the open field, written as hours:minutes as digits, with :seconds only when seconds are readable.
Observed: 11:06
